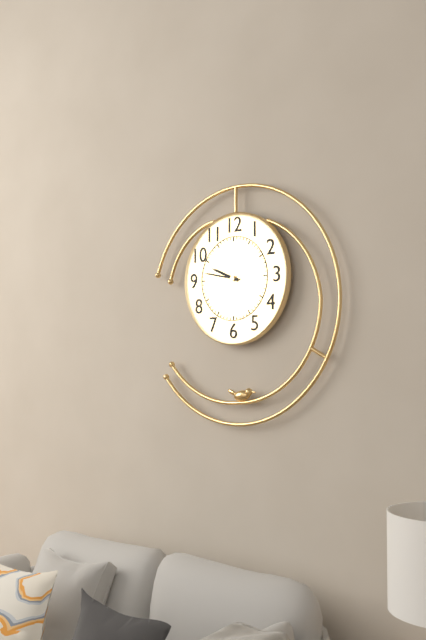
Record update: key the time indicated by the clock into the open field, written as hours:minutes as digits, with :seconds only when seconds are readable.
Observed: 9:47
